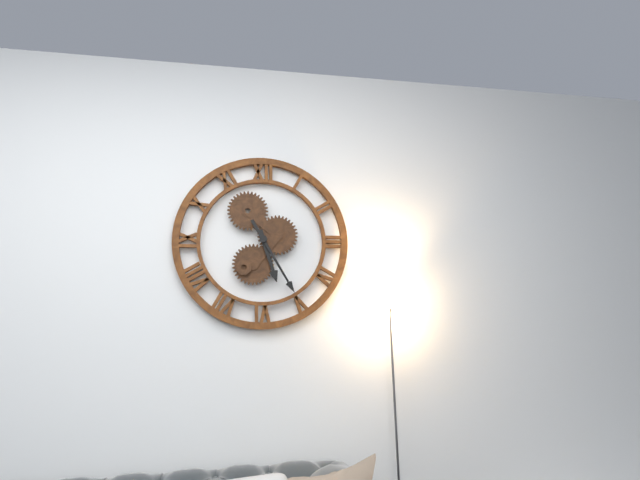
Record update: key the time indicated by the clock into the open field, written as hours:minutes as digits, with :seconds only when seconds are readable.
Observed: 5:25
